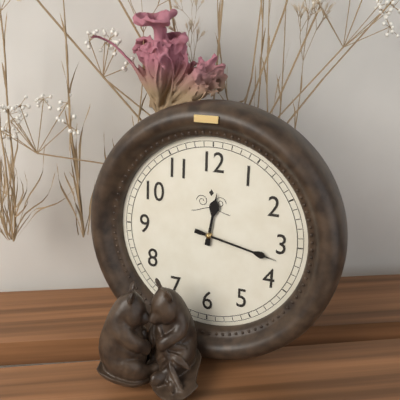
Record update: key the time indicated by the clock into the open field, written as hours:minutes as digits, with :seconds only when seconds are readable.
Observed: 12:17
